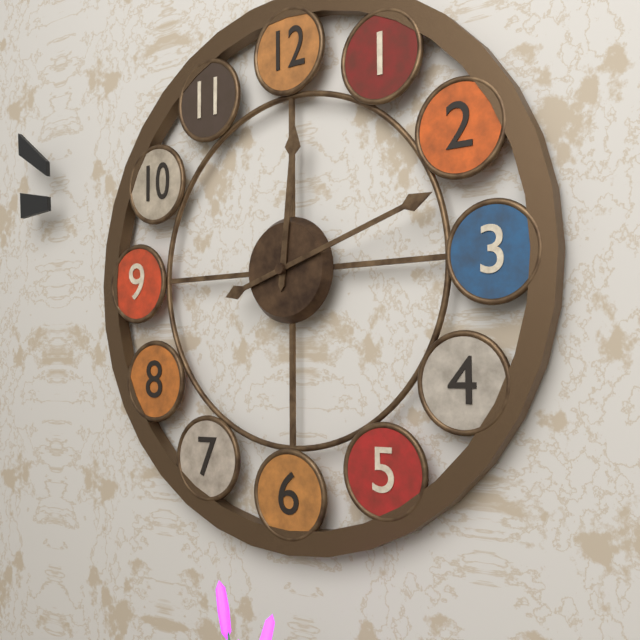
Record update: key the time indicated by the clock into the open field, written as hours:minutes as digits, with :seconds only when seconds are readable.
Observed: 12:12
